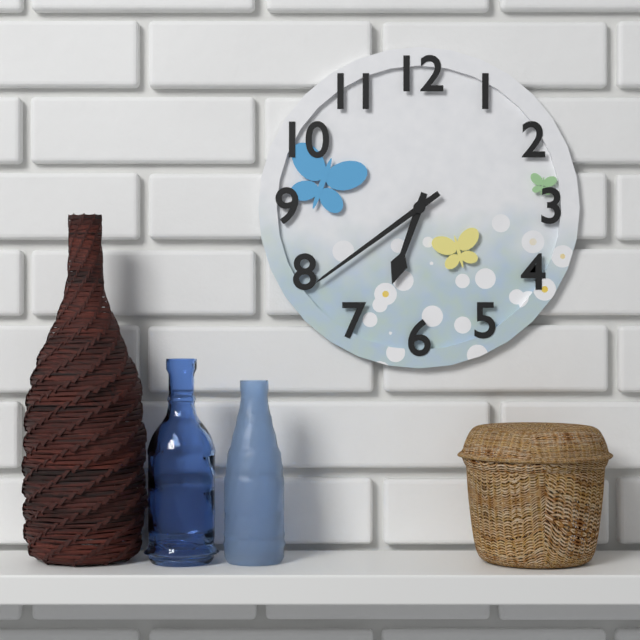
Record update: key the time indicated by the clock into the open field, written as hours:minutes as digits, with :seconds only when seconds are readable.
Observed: 6:39
